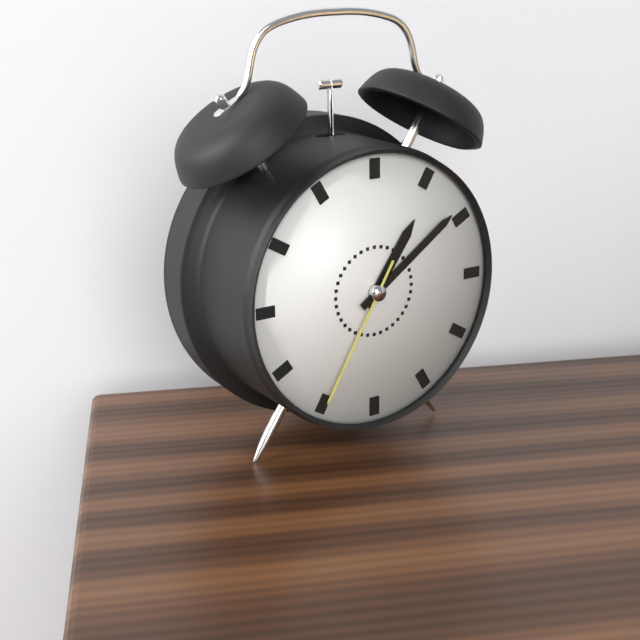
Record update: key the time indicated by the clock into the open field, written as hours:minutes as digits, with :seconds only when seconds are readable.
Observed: 1:09:35
